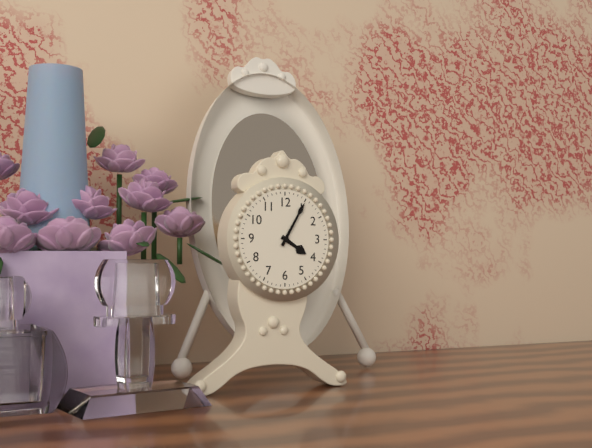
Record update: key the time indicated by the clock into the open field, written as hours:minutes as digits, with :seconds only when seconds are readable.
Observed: 4:05
